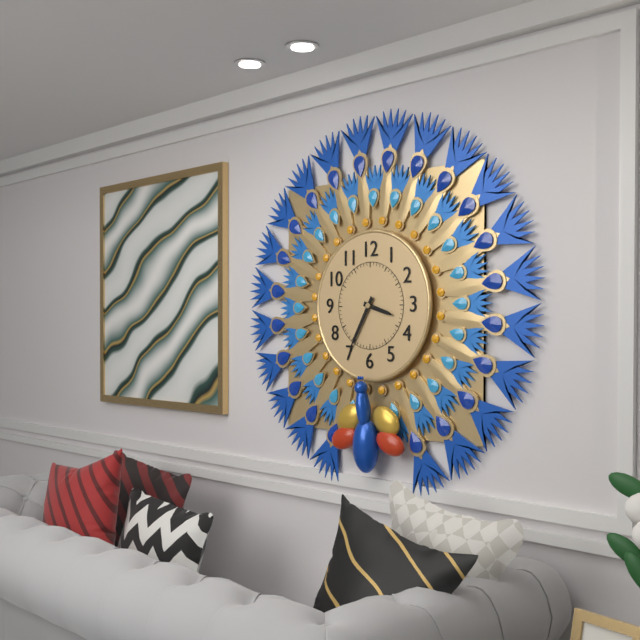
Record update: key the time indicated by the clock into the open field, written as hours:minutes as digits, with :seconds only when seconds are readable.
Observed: 3:35
